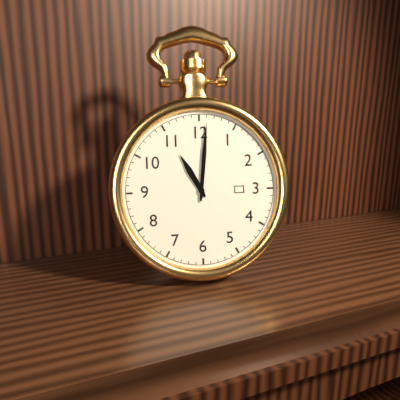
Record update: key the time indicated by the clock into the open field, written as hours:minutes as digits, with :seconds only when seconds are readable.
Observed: 11:01
